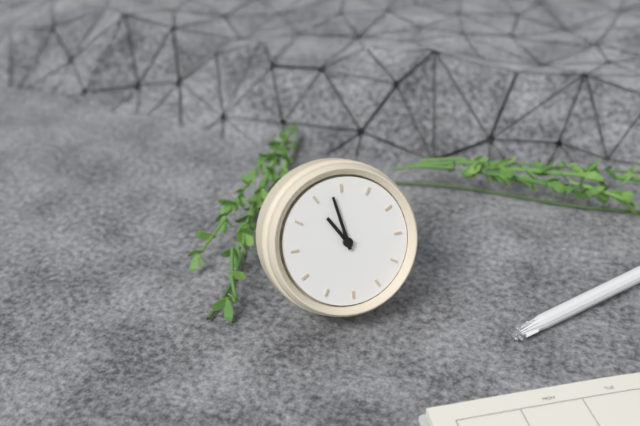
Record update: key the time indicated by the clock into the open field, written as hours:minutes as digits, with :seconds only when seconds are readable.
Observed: 9:53
